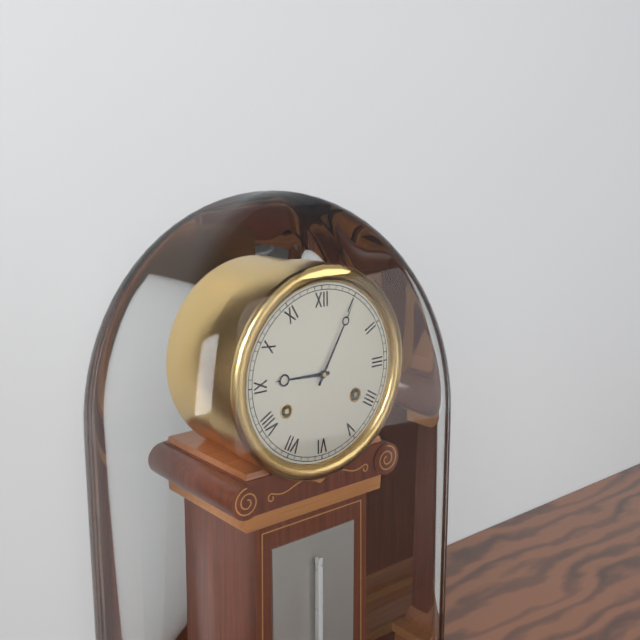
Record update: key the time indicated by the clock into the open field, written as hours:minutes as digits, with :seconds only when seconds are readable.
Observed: 9:05
